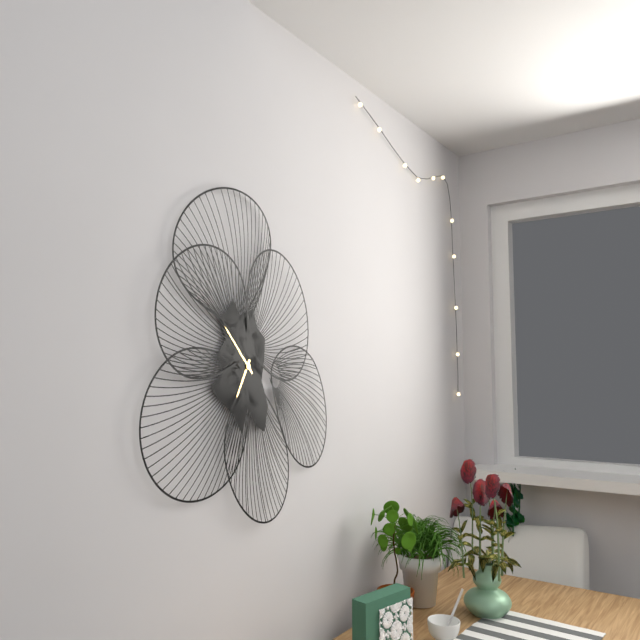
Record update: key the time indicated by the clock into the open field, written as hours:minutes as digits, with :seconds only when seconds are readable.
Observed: 6:53
